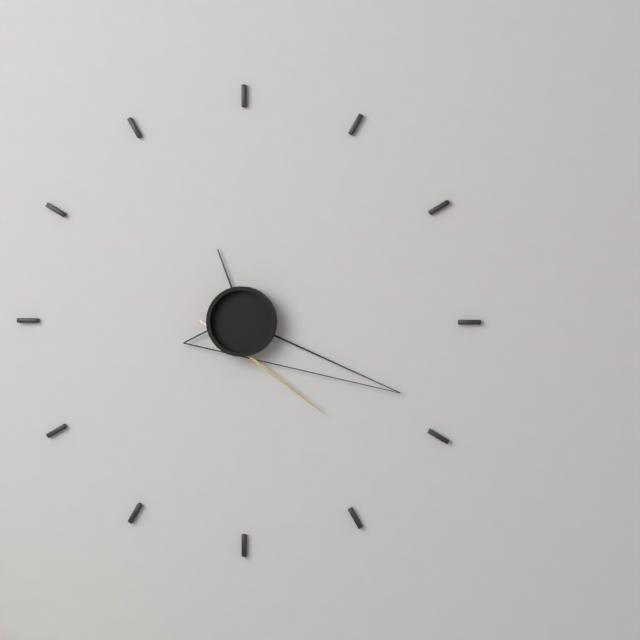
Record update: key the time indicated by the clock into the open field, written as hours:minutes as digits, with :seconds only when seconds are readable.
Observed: 11:19:23
